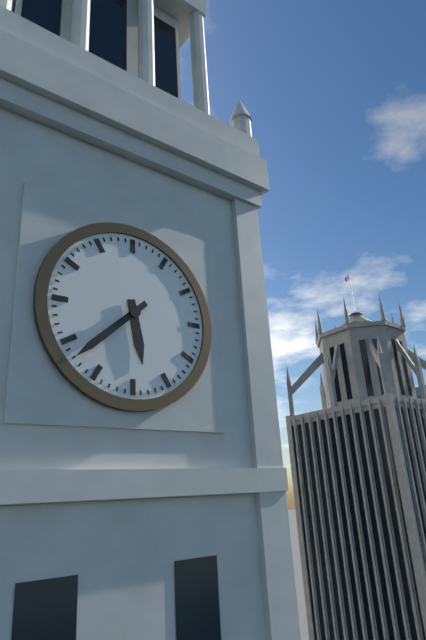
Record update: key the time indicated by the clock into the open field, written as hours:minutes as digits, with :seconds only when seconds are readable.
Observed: 5:38
